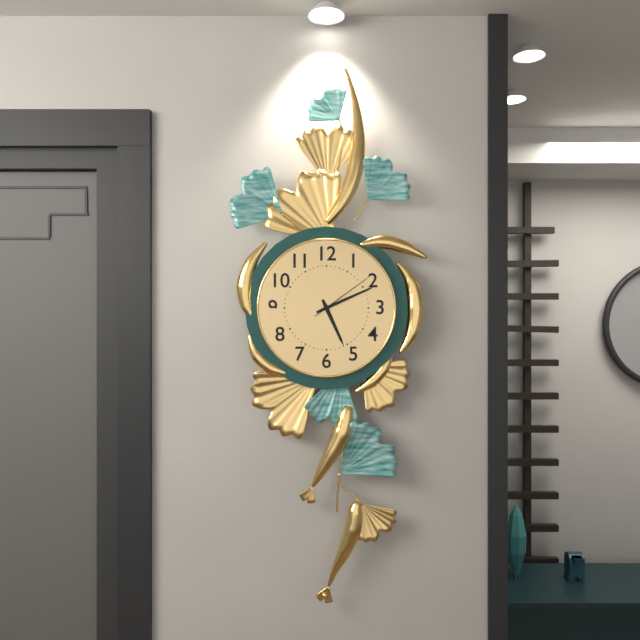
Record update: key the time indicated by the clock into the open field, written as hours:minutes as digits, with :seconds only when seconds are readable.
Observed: 5:11:09
